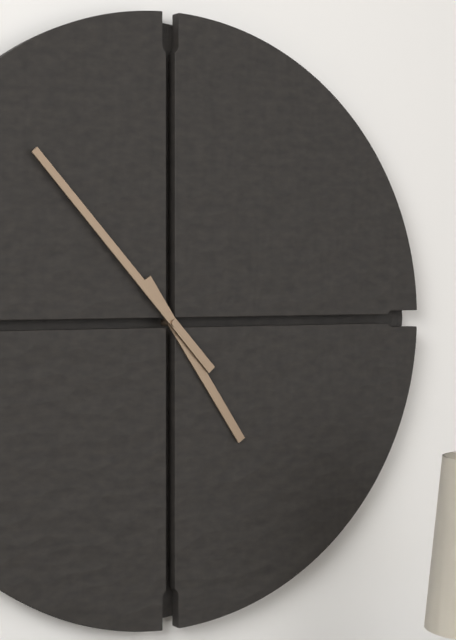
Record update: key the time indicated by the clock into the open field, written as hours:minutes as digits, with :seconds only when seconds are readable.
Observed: 4:53
